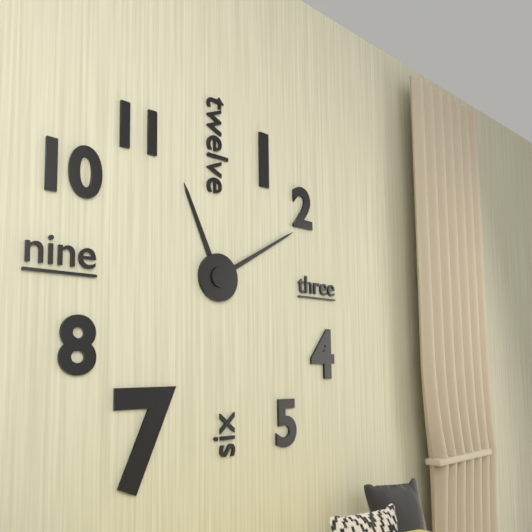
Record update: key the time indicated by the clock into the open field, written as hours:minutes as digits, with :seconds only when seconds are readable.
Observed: 11:10
